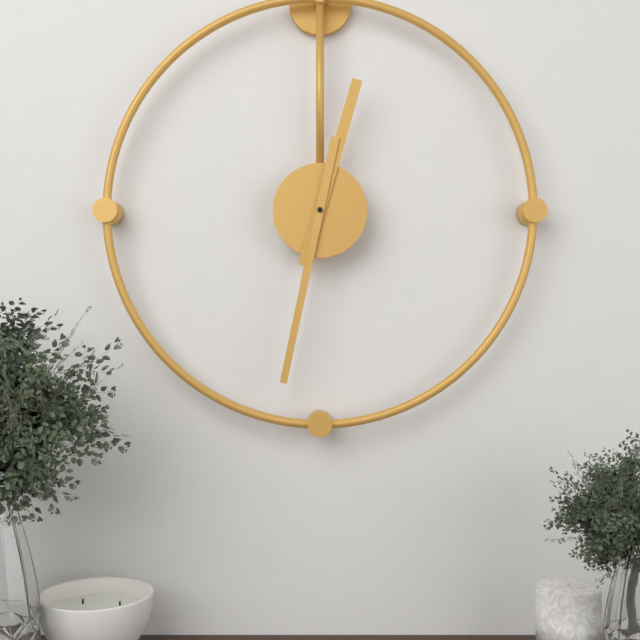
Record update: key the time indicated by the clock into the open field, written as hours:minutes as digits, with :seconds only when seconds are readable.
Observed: 12:32
